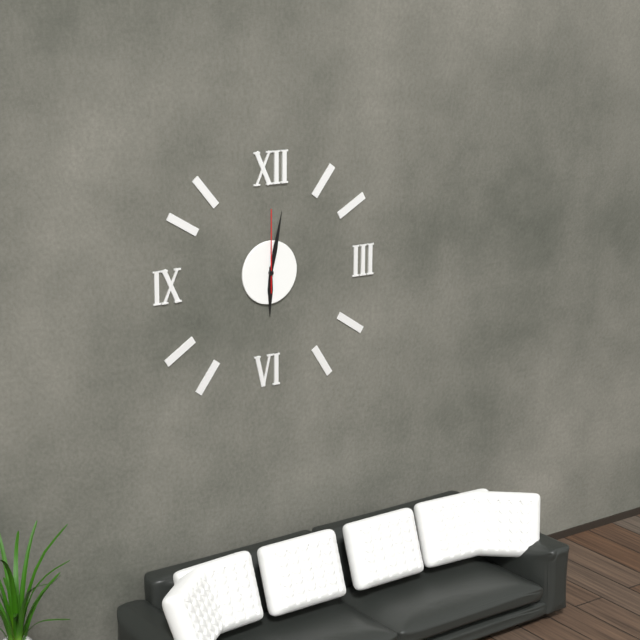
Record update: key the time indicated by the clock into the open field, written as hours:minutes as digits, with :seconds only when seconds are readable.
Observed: 6:02:00
